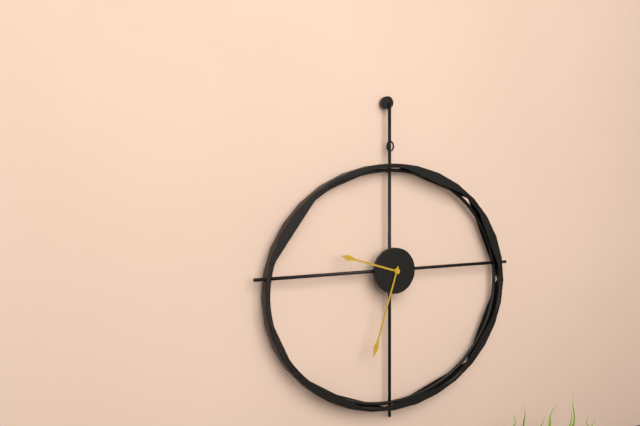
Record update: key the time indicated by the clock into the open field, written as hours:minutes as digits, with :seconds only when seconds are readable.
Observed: 9:33
